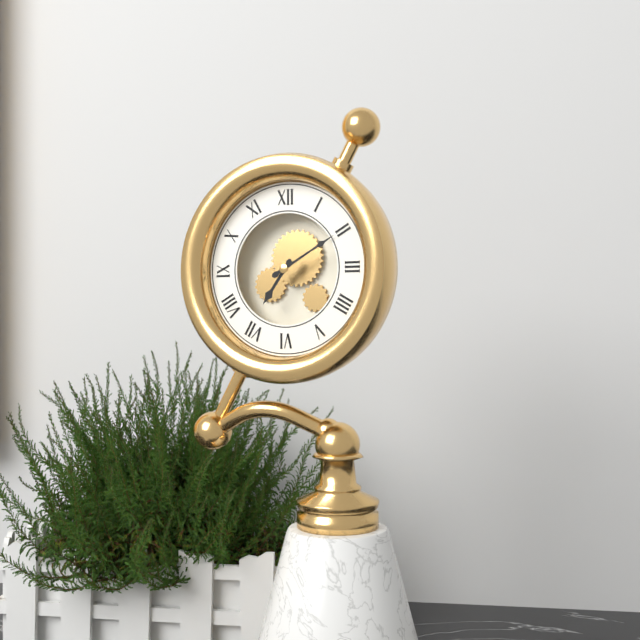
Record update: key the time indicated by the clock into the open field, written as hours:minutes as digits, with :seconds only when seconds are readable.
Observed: 7:10
